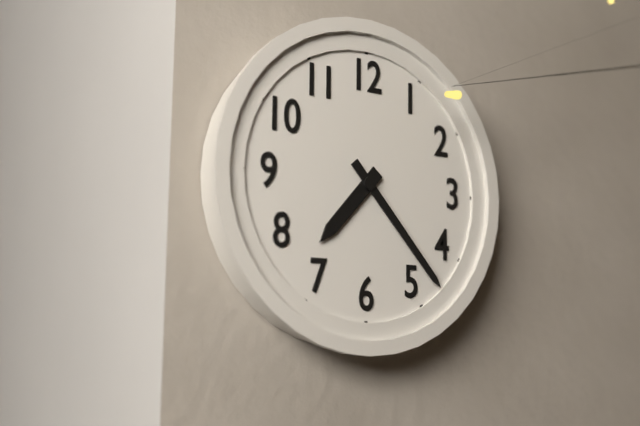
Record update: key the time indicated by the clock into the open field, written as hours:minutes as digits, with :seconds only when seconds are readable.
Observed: 7:23
